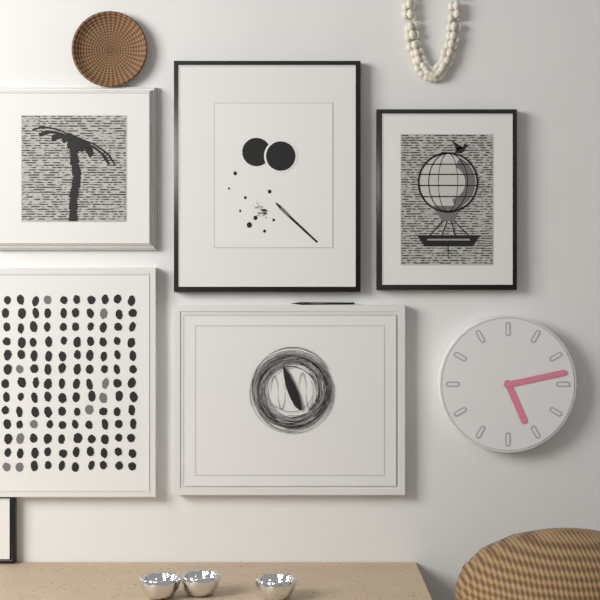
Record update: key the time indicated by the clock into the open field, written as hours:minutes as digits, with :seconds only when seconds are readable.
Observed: 5:13
